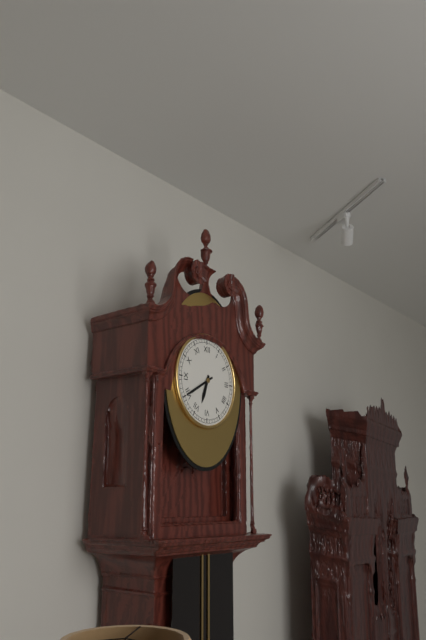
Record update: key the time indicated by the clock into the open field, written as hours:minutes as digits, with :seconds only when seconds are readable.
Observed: 6:40
